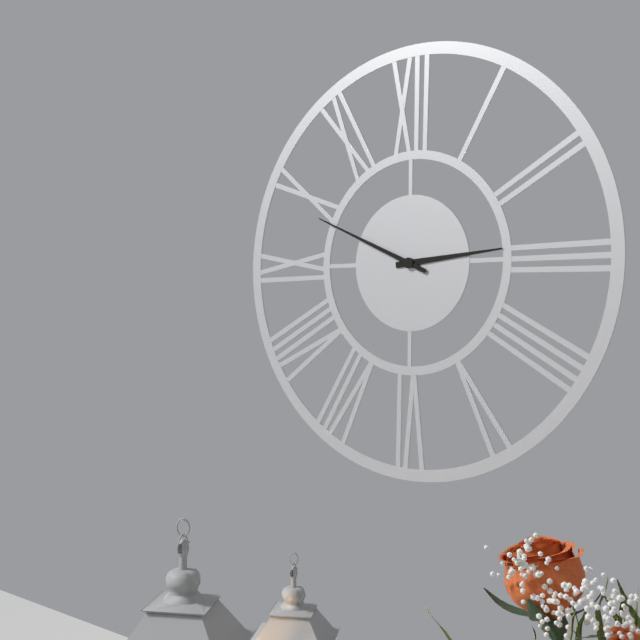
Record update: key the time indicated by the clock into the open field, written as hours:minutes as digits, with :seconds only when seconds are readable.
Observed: 2:49
